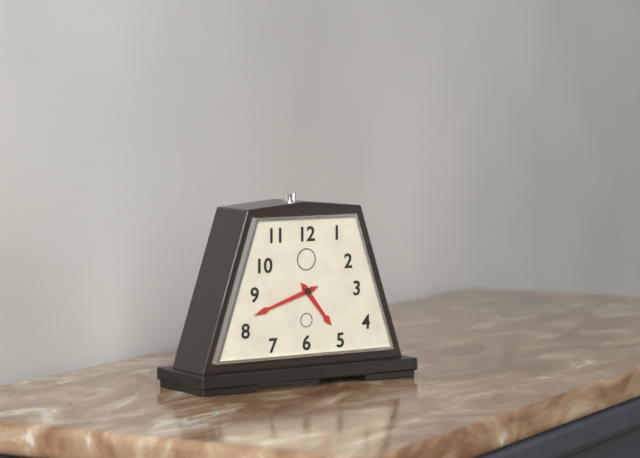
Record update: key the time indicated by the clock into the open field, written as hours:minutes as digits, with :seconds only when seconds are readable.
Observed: 4:42
